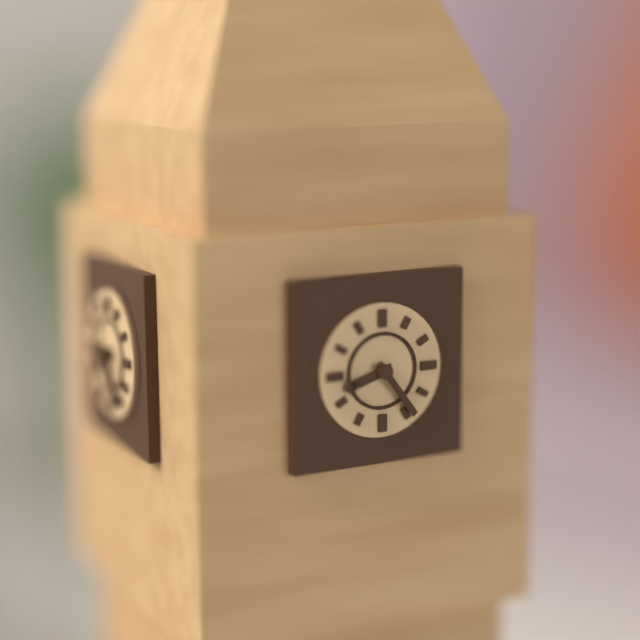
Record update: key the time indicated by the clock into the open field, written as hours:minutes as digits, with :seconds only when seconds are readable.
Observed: 8:24
